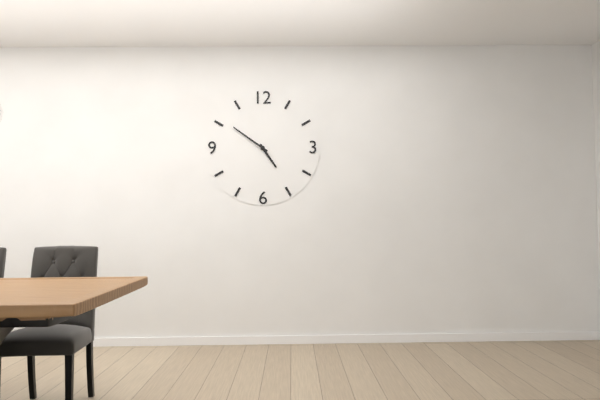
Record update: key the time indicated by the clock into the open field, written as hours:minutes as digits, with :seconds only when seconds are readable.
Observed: 4:51
